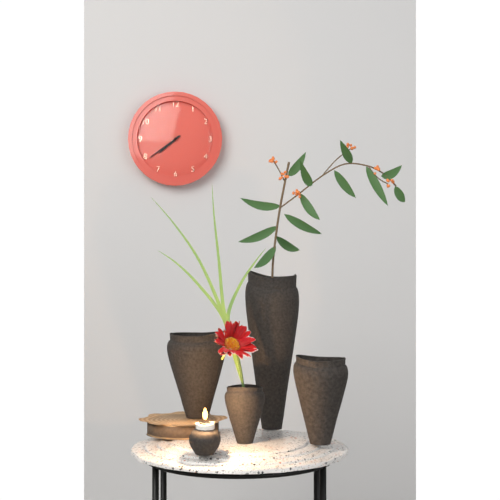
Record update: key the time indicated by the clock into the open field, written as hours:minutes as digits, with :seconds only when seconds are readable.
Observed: 7:39
